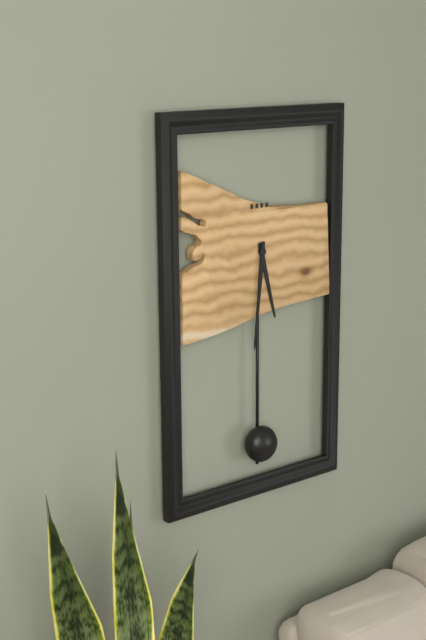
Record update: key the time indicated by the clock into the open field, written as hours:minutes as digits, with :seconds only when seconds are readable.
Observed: 5:31
